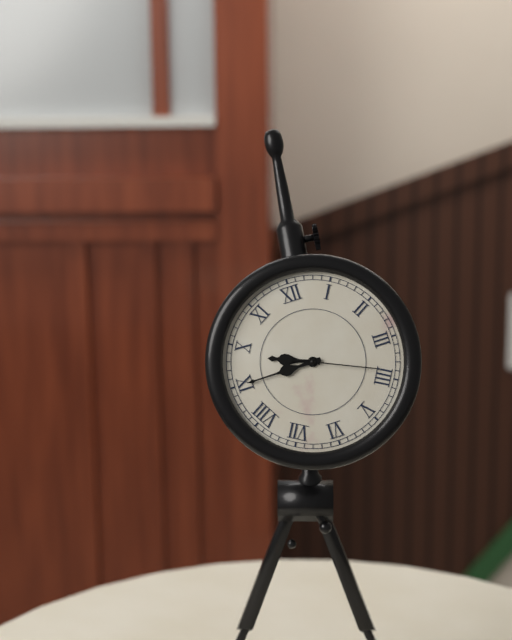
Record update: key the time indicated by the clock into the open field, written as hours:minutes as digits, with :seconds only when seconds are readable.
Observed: 9:45:19
